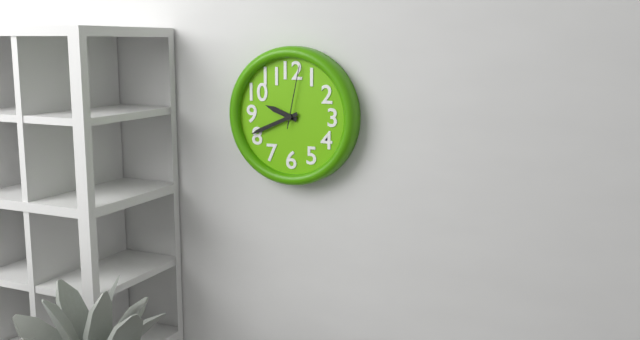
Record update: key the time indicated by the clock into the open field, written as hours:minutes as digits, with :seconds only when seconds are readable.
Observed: 9:41:02
